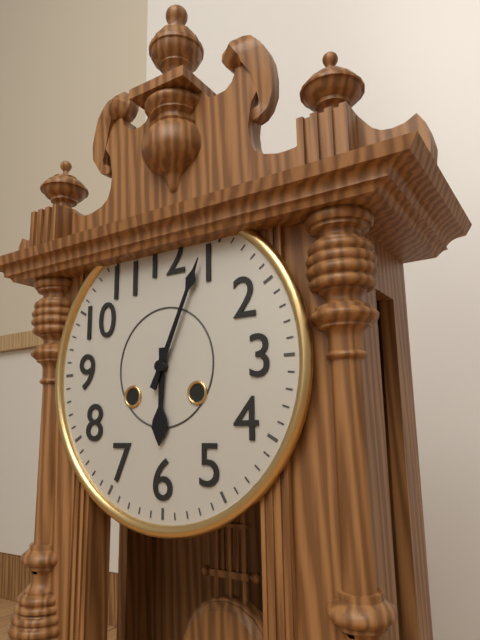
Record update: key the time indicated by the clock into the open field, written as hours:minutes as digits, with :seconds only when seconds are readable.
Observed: 6:04
